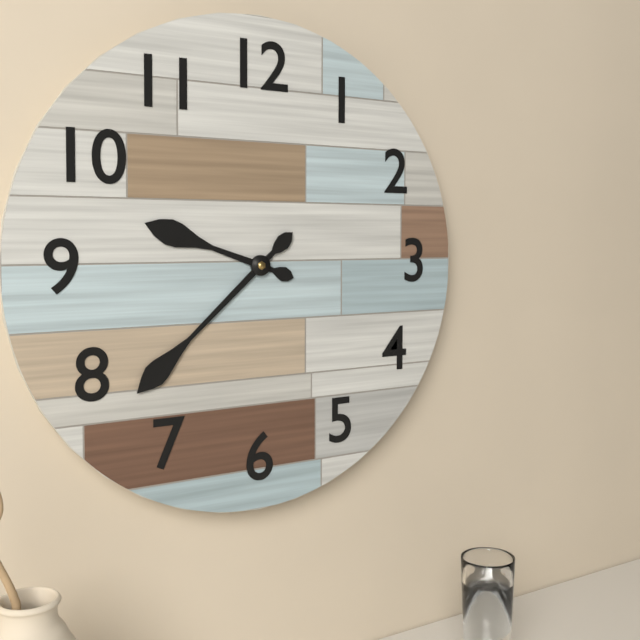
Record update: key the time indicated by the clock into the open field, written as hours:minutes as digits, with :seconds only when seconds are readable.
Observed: 9:38
